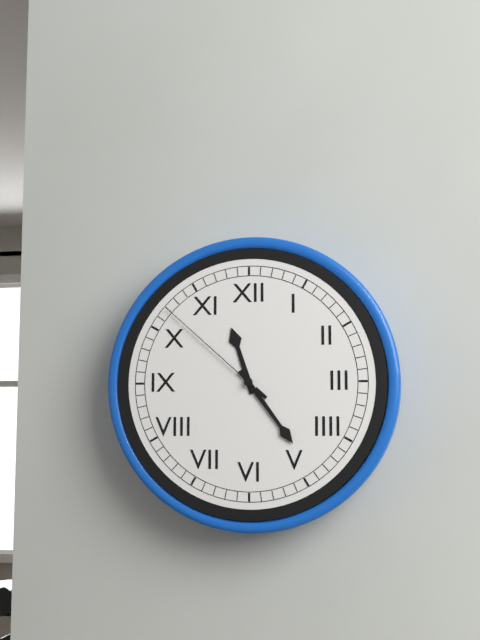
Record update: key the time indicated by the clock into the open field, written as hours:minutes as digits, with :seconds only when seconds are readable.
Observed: 11:24:52
